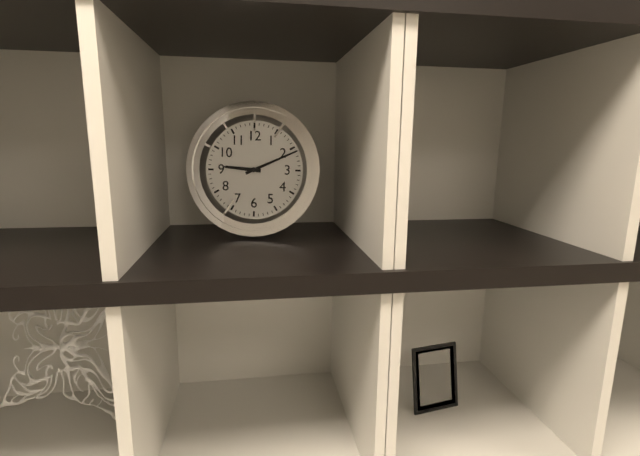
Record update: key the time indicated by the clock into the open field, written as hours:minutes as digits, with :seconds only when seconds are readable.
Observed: 9:11
